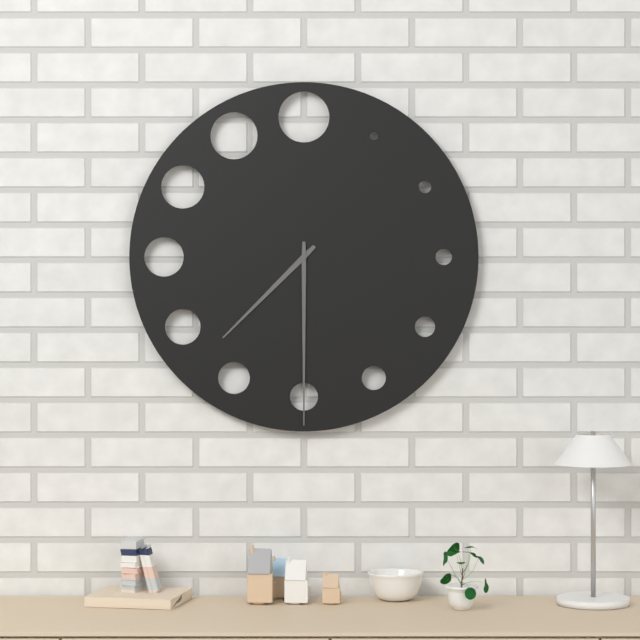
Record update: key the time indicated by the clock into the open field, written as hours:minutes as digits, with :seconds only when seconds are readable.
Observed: 7:30
